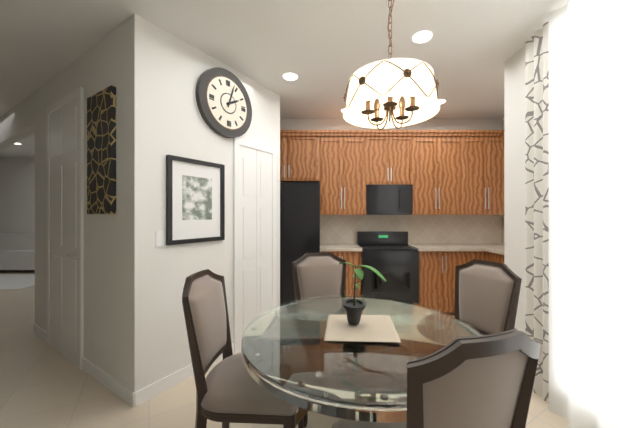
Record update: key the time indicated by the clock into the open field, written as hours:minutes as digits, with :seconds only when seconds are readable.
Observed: 2:03
